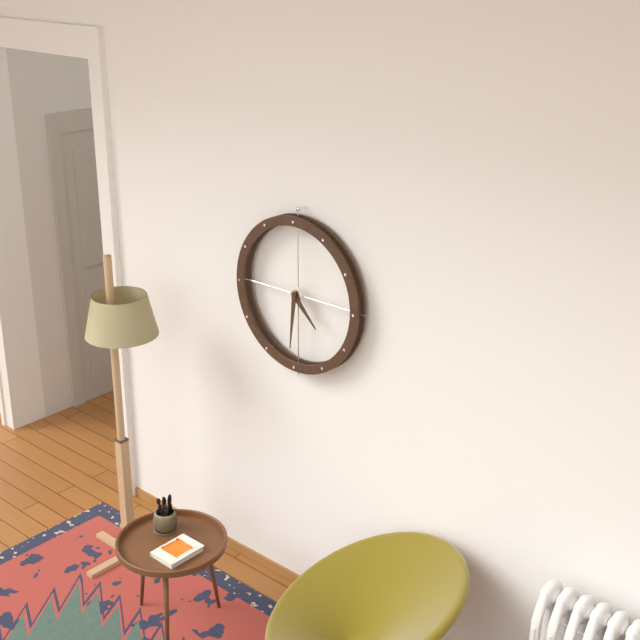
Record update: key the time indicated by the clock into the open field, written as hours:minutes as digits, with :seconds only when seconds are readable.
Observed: 4:31
